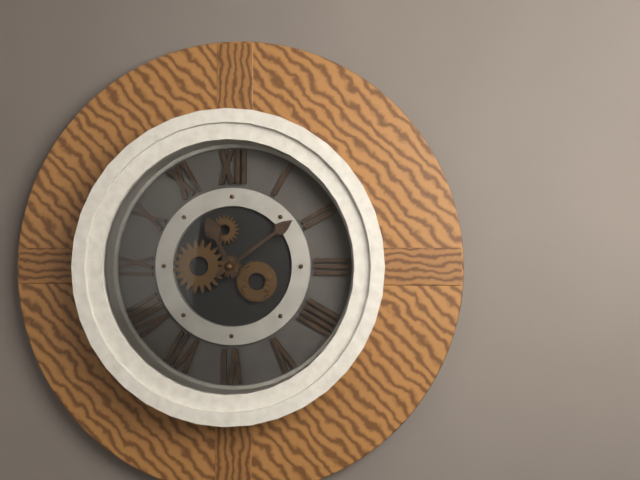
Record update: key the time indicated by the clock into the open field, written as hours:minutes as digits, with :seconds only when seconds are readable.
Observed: 11:09
